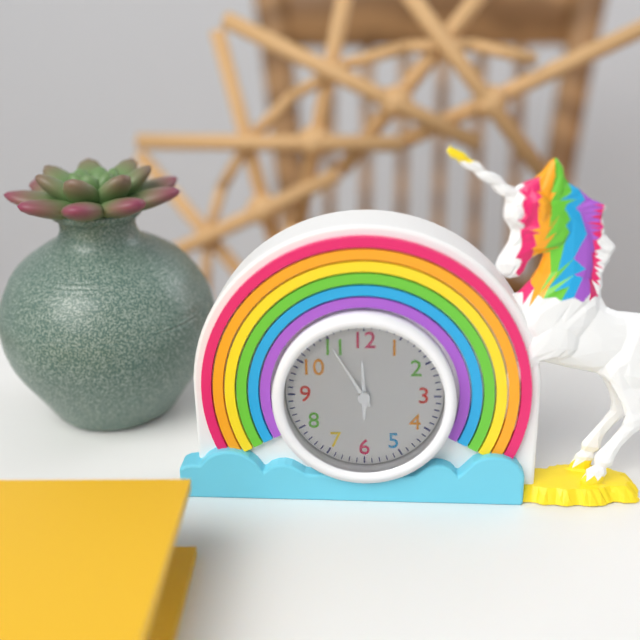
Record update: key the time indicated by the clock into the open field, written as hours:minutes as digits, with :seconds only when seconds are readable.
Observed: 11:55
